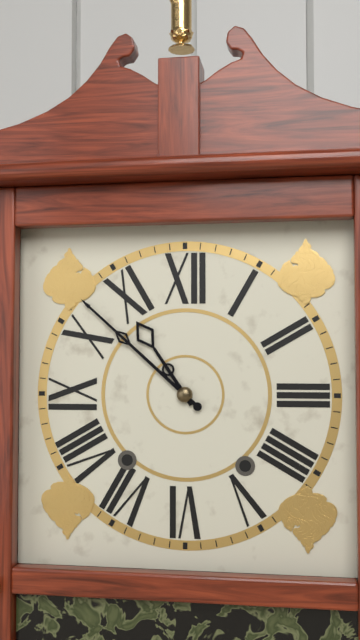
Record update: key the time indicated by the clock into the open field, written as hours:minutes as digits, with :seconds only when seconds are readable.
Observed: 10:52
